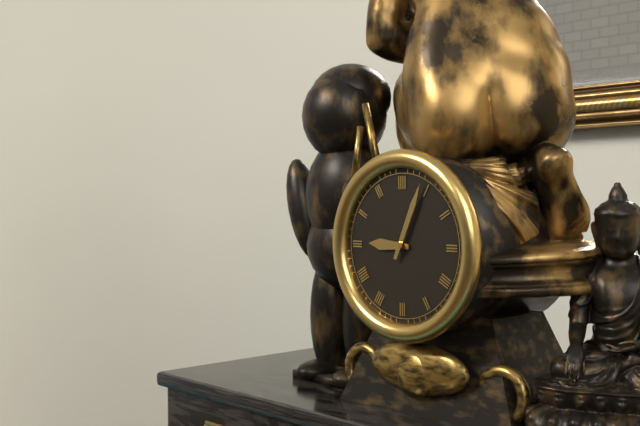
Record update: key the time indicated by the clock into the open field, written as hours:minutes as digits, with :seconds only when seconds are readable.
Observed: 9:04
